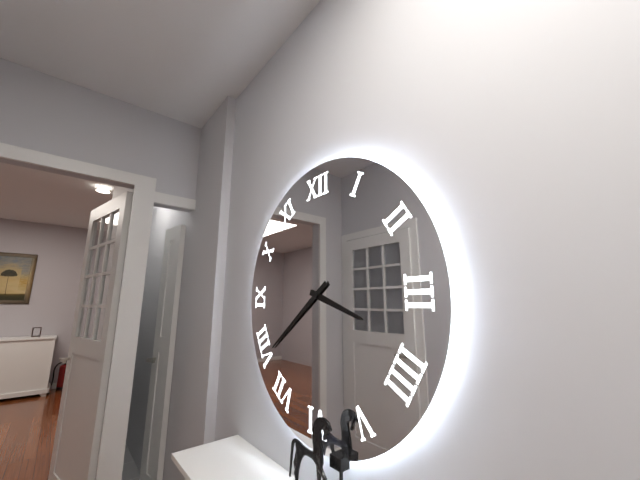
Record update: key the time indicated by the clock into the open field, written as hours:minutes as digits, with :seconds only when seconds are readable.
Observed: 3:39
